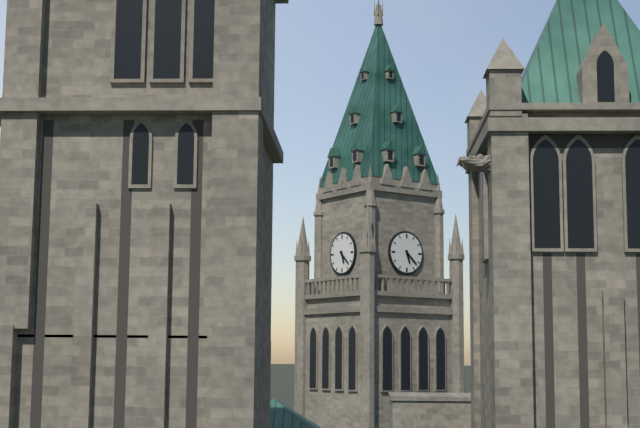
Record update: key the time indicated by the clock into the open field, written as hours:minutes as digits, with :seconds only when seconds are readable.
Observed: 5:22
